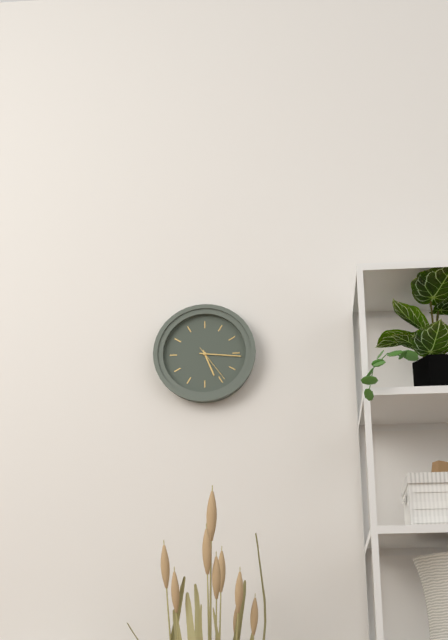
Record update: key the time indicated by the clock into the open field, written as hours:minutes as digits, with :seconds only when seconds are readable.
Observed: 5:16
